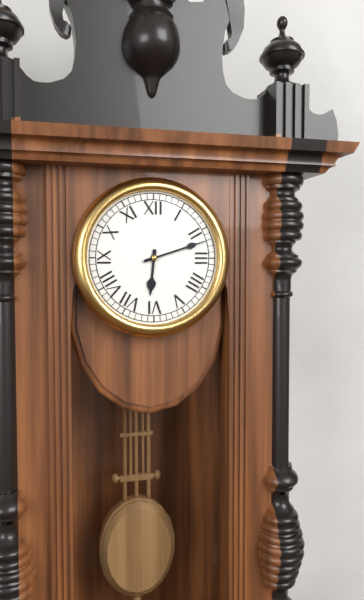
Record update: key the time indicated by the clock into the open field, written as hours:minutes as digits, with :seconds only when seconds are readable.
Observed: 6:12
